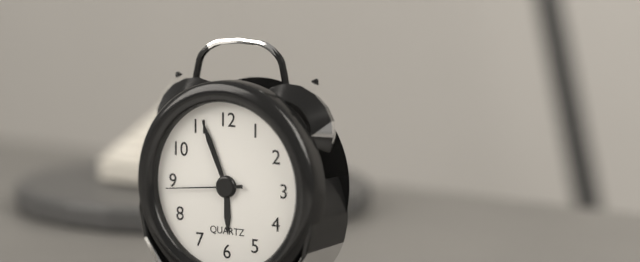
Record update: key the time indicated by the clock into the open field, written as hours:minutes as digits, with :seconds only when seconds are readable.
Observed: 5:56:44
